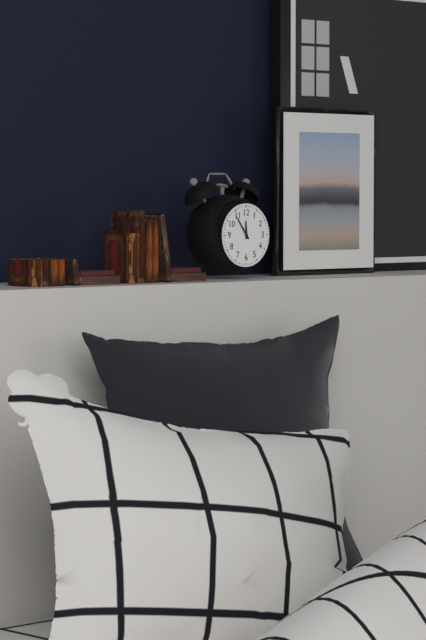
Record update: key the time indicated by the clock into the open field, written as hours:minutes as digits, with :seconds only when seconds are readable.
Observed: 11:54
